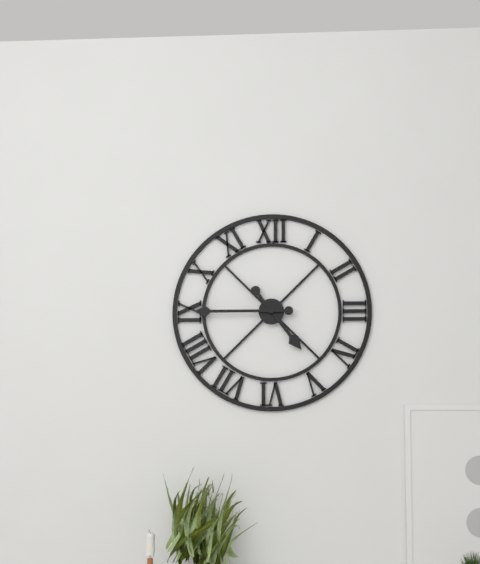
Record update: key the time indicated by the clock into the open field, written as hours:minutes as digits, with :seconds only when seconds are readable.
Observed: 4:45
